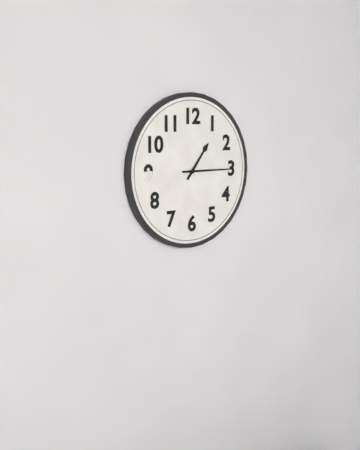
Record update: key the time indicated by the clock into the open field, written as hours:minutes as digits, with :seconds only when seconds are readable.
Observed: 1:15
